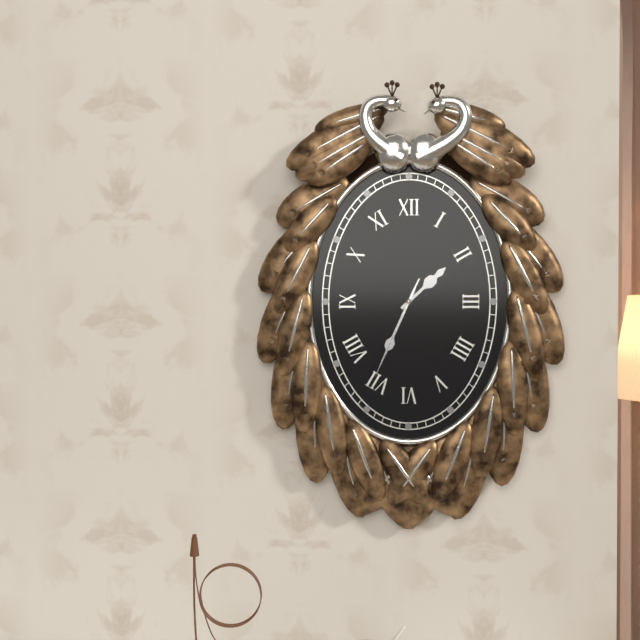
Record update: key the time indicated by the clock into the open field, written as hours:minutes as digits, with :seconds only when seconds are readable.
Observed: 1:34:34
